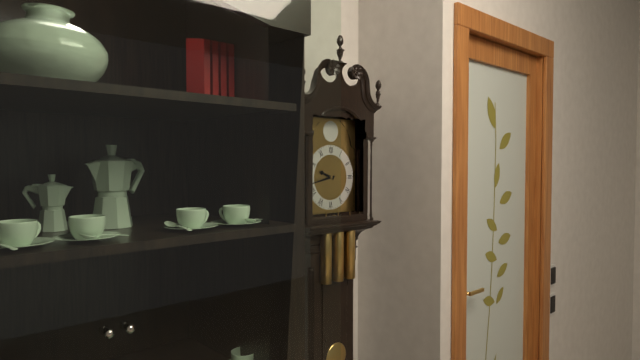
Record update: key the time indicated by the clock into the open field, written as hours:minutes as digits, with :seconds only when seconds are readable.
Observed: 9:43
